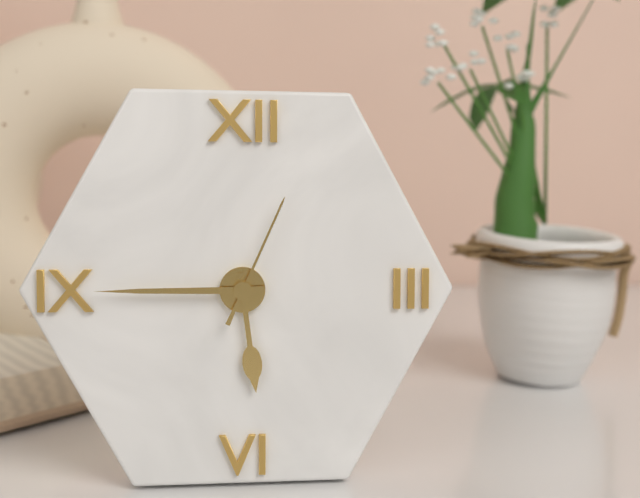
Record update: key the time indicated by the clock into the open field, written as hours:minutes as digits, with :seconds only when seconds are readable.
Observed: 5:45:04
